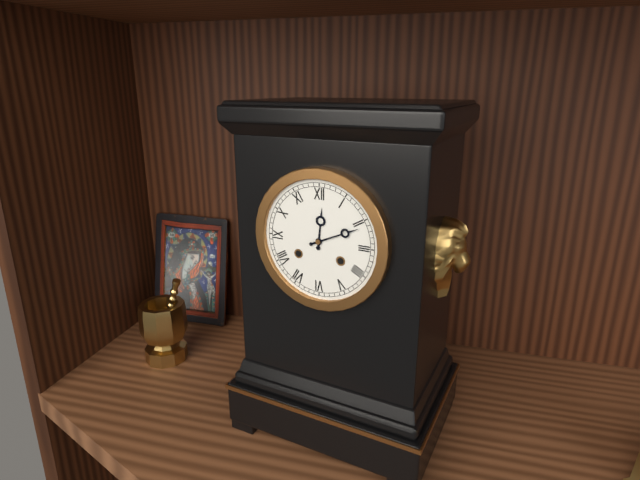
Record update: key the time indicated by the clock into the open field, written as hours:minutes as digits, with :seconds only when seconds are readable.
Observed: 12:11
